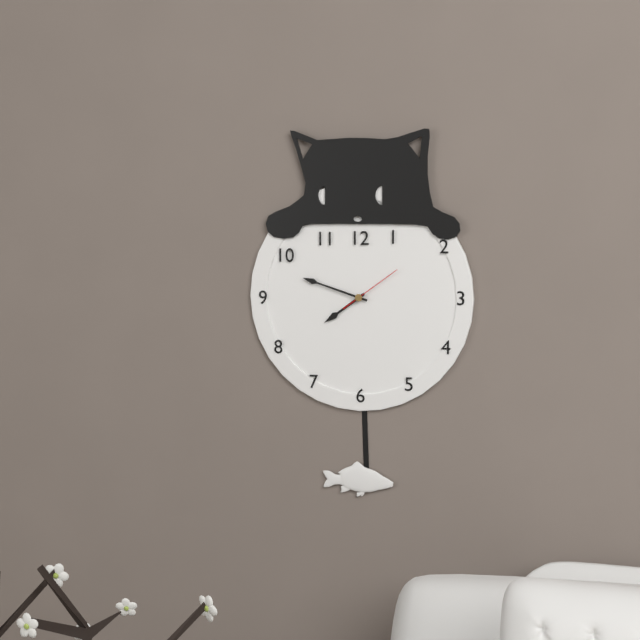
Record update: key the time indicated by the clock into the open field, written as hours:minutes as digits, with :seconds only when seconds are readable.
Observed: 7:48:09
